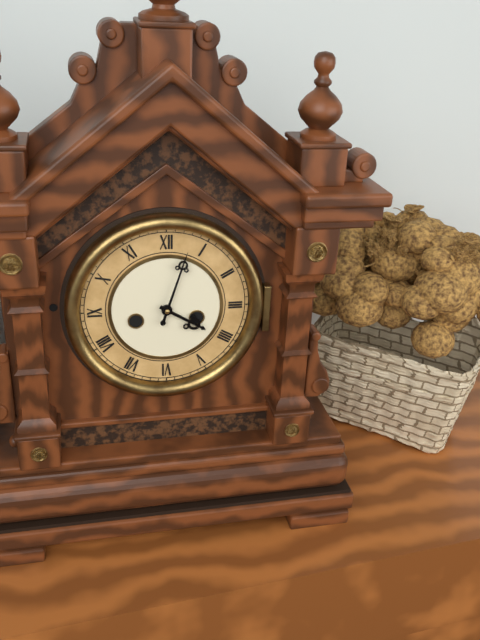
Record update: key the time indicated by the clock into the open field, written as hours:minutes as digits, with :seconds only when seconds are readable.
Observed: 4:03
